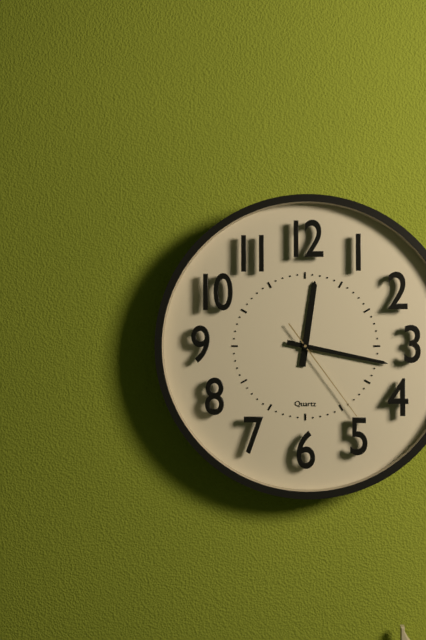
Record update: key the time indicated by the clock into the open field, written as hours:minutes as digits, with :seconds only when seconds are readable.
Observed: 12:17:24
